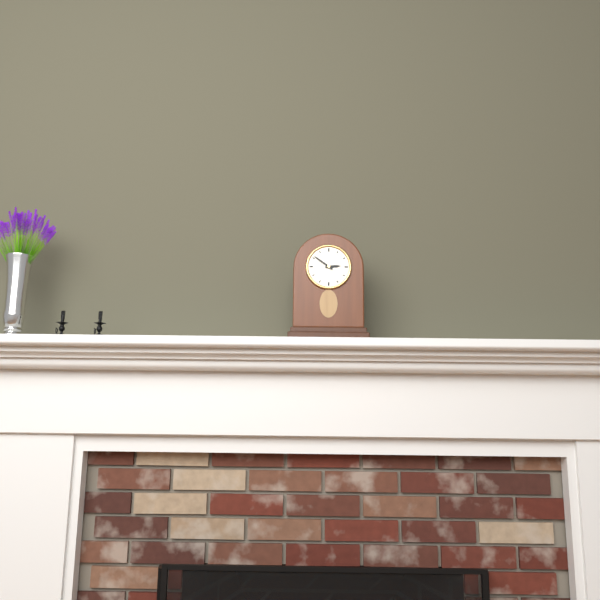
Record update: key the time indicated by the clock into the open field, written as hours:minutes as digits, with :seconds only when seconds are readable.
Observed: 2:51
